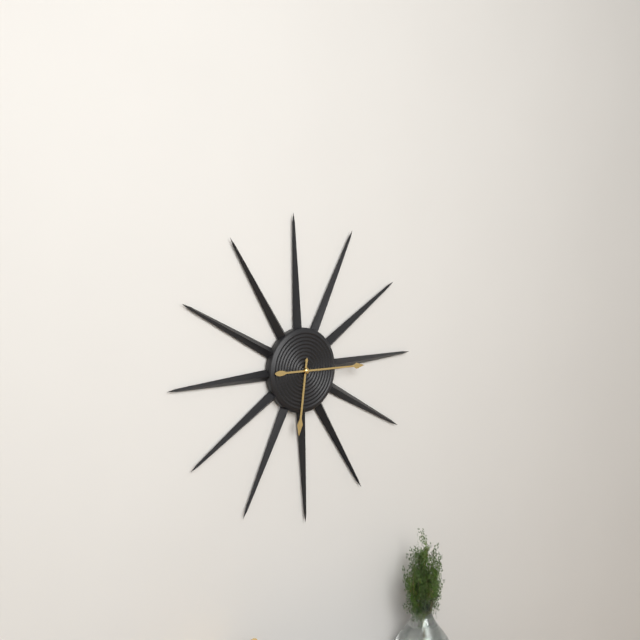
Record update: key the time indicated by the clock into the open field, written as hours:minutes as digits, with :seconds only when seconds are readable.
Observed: 6:15
